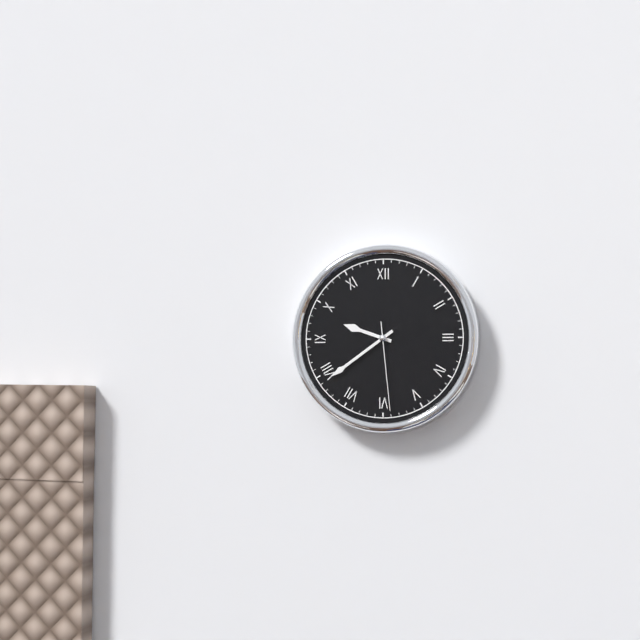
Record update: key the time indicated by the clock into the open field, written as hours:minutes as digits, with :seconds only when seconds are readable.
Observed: 9:39:29
